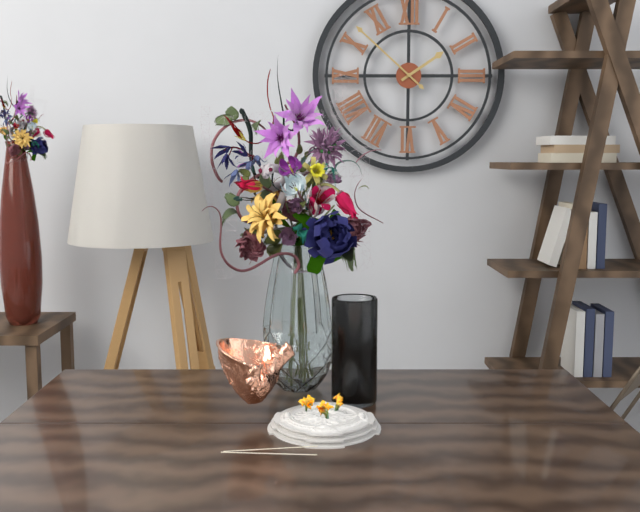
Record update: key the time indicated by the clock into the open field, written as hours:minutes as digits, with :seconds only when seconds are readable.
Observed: 1:52
